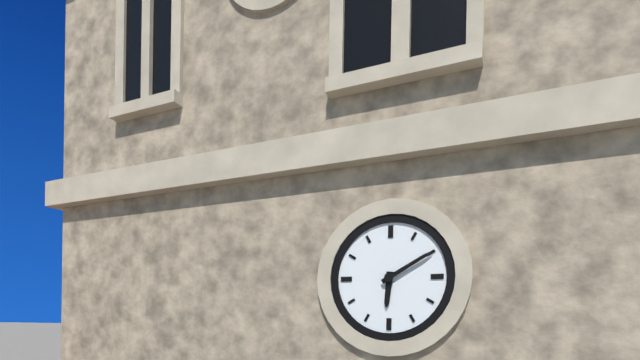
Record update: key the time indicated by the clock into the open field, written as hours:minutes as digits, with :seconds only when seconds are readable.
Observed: 6:10
